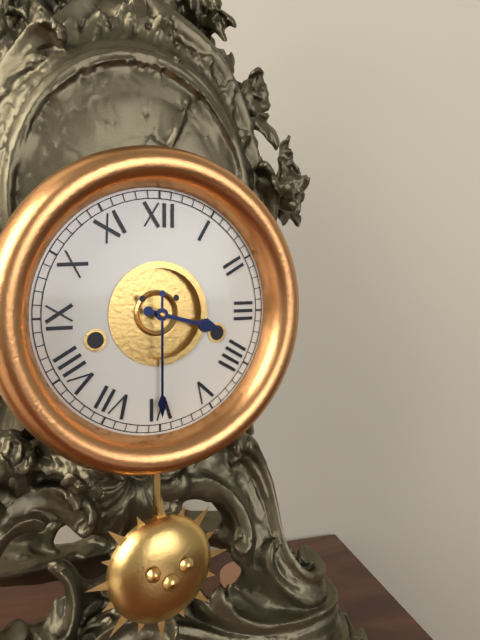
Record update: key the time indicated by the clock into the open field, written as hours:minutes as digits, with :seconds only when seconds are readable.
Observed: 3:30
